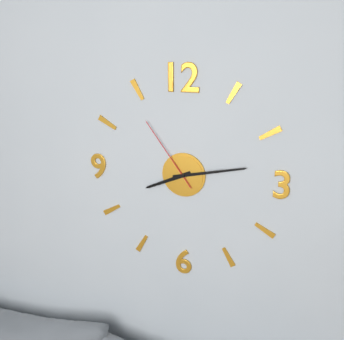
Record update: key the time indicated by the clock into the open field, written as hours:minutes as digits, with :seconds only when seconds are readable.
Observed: 8:13:54
